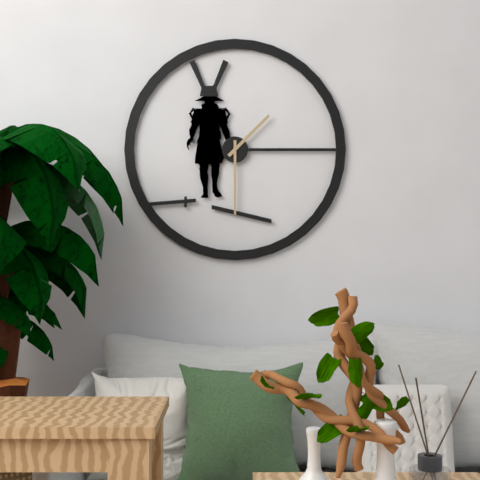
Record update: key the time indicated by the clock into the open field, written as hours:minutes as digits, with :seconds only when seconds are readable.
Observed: 1:30
